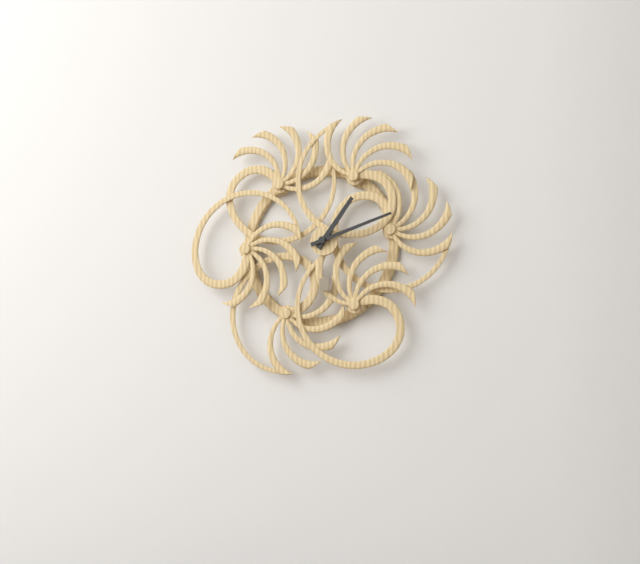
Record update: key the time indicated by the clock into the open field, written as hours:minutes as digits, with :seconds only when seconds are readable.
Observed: 1:12
